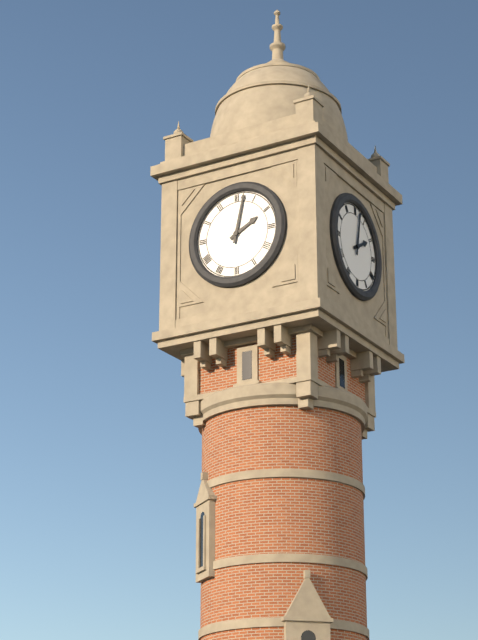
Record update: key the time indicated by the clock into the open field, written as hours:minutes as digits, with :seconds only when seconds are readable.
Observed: 2:02
